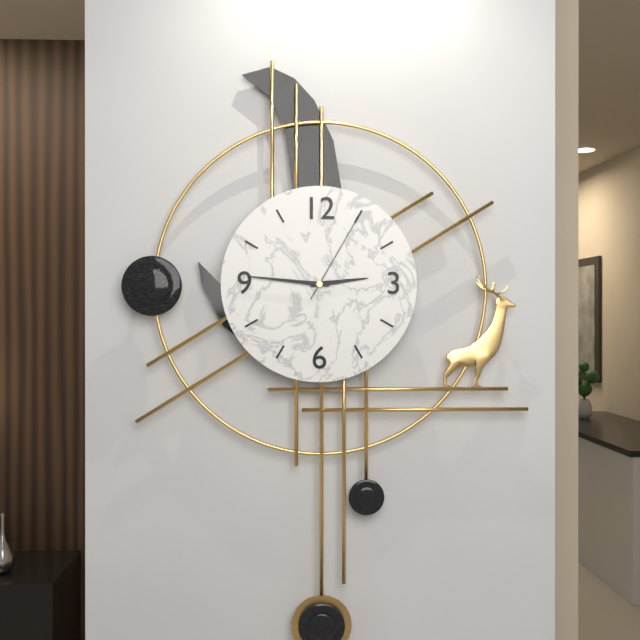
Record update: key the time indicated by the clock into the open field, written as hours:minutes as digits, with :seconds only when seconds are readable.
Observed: 2:46:05
